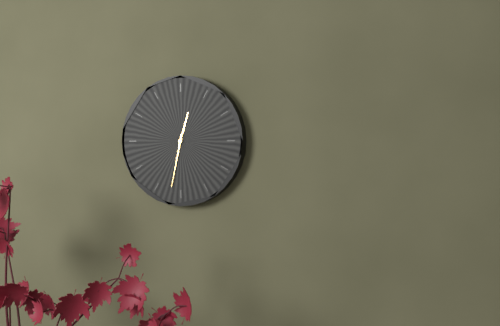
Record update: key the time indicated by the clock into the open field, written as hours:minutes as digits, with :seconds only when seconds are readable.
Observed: 12:32
